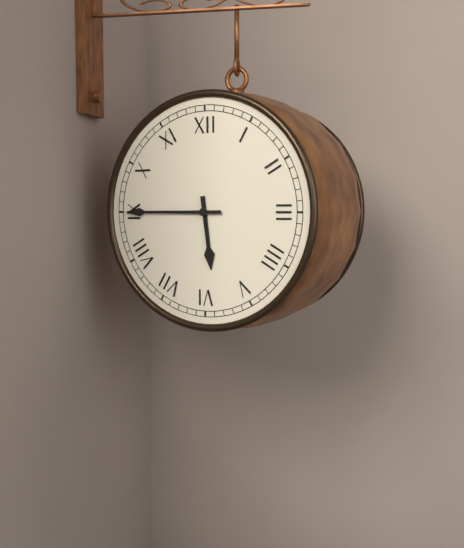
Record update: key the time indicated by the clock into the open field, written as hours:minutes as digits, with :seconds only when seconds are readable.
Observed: 5:45
